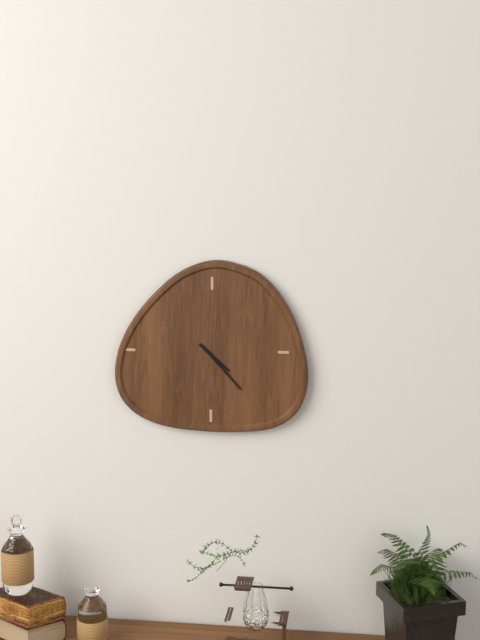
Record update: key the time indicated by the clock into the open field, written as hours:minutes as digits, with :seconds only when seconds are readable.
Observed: 4:23
